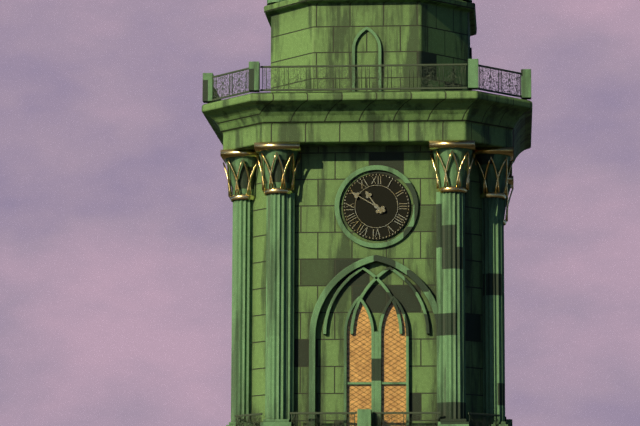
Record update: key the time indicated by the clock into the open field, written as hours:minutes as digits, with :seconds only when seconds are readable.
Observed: 10:50
